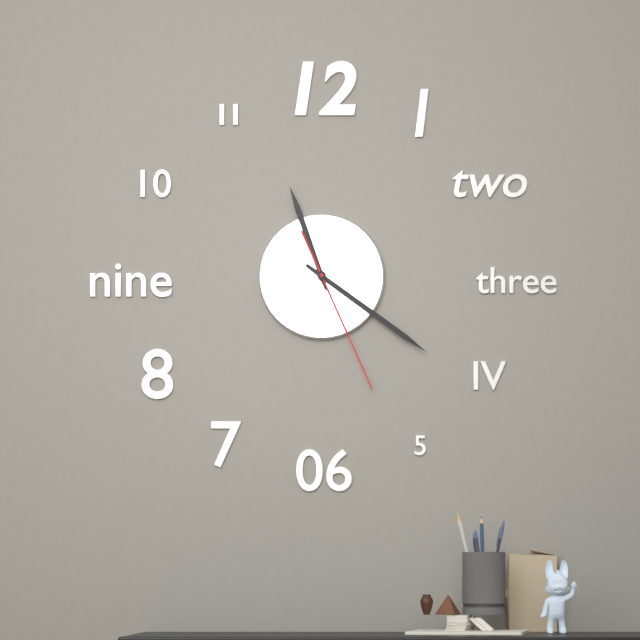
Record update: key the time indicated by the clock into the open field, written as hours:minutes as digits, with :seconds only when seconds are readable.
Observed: 11:21:26
